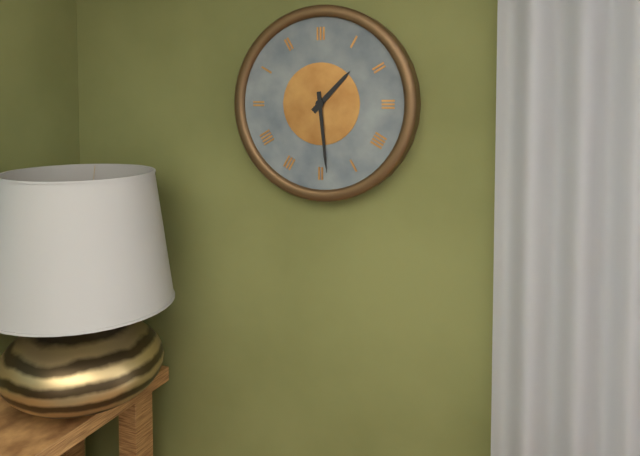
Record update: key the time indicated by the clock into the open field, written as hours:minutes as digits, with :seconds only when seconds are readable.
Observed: 1:29
